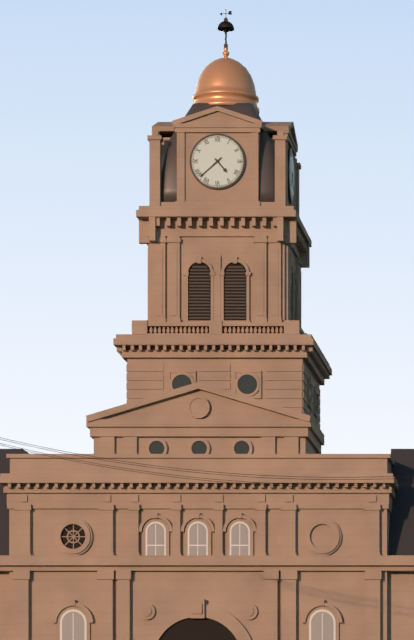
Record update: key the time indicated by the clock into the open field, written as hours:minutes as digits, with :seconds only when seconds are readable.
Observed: 4:38
